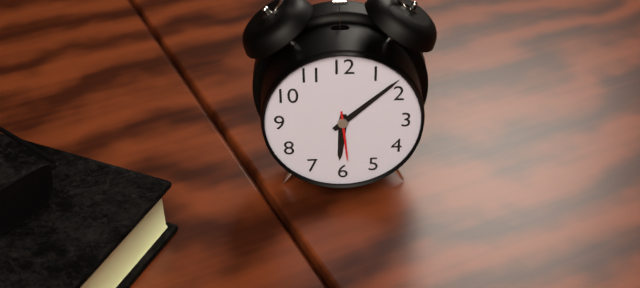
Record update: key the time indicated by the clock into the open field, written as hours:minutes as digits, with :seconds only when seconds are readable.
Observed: 6:08:29
